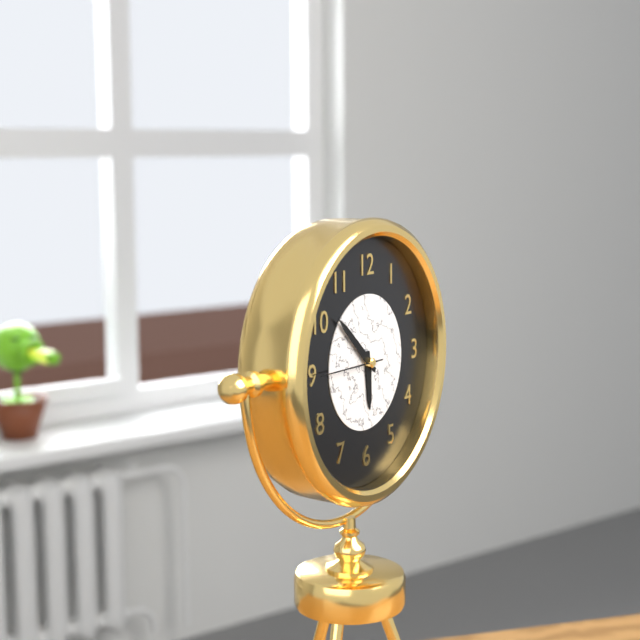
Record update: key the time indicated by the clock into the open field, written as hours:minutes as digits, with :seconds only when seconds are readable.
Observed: 5:52:45
